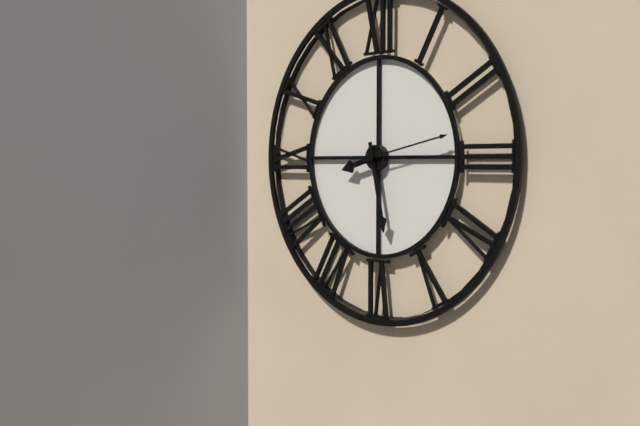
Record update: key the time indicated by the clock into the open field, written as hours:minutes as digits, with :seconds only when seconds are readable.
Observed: 8:28:13
